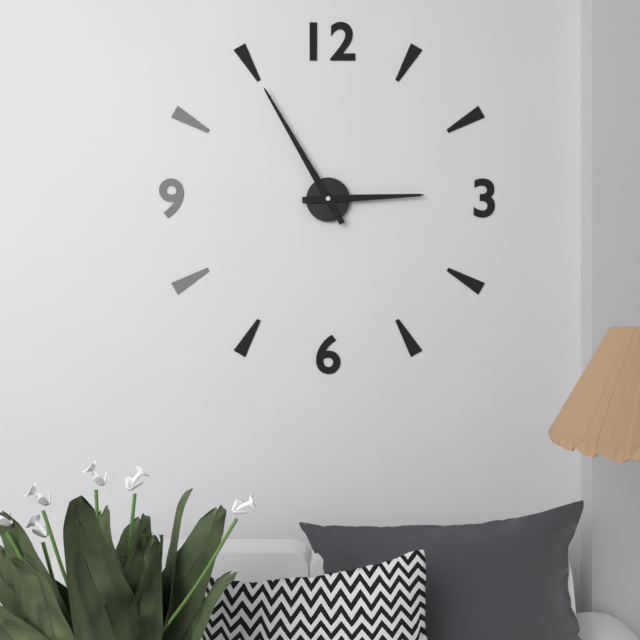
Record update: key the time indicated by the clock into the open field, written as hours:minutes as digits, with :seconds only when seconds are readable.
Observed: 2:55
